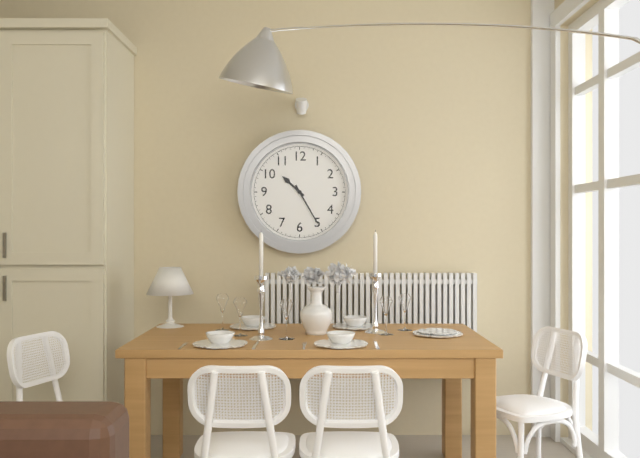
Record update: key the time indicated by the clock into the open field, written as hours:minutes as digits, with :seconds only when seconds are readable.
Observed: 10:25
